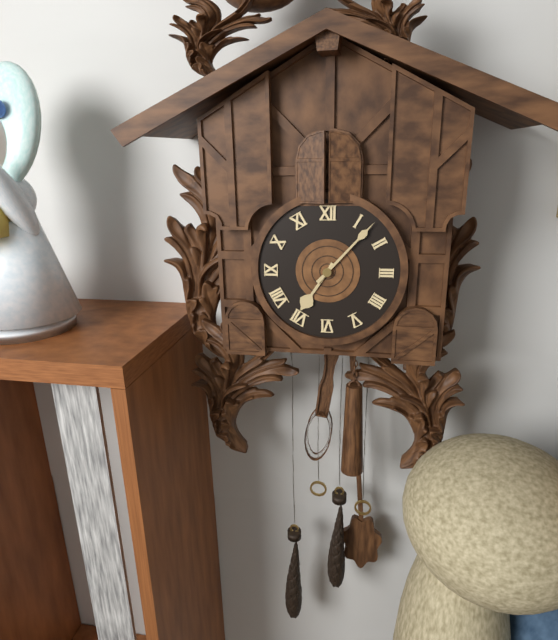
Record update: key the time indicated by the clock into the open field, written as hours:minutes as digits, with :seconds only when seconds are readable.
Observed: 7:07
